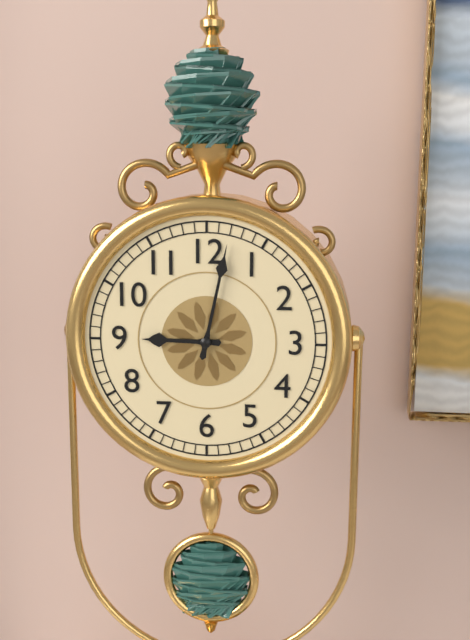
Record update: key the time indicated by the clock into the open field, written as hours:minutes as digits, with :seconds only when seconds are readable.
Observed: 9:02
